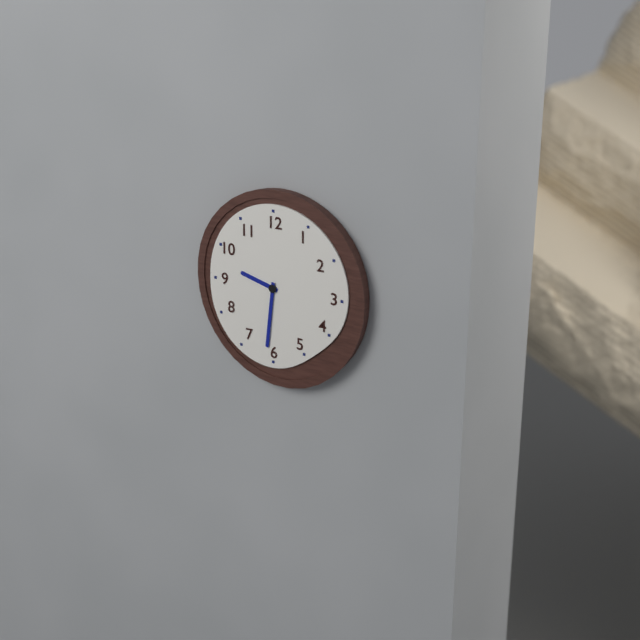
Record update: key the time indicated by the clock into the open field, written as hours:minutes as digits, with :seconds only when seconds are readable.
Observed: 9:31
